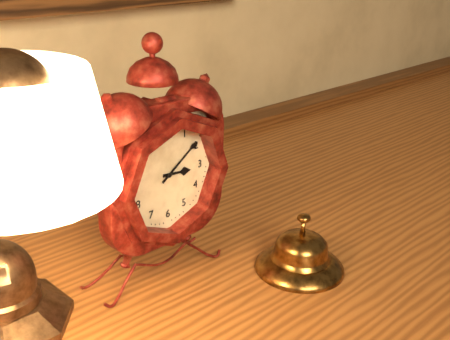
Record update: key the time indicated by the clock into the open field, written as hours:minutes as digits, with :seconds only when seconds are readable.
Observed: 3:09
